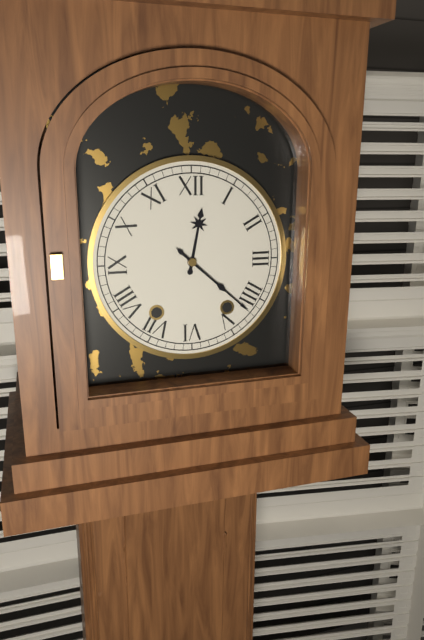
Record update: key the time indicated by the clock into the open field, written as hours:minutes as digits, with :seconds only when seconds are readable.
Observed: 12:22
